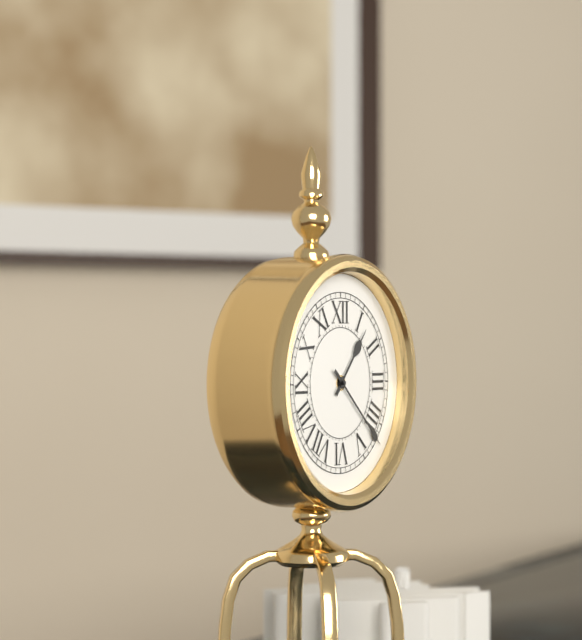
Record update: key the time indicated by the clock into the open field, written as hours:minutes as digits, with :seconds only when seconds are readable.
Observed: 1:22
